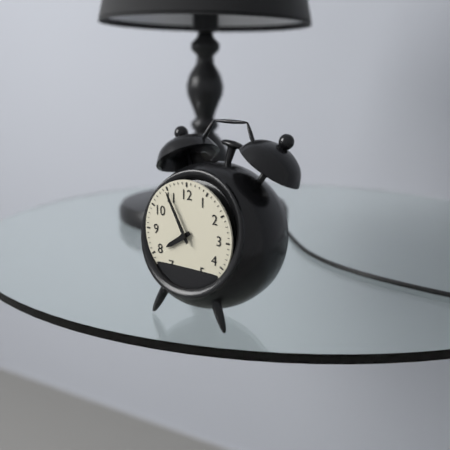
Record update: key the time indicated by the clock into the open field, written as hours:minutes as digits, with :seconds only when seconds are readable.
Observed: 7:55
